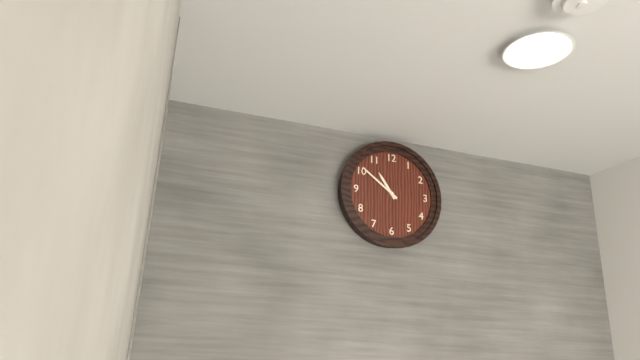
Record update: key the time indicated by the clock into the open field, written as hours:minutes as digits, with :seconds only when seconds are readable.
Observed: 10:51
